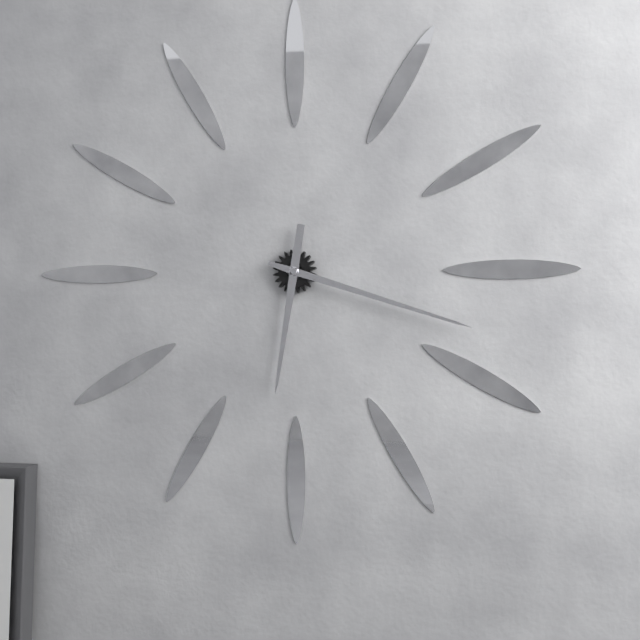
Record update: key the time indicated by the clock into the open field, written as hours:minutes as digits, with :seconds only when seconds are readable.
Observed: 6:18
